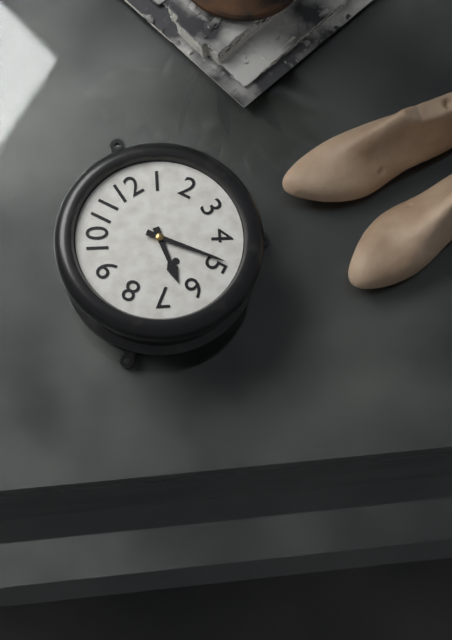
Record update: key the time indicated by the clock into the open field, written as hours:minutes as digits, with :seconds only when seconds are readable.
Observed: 6:24
